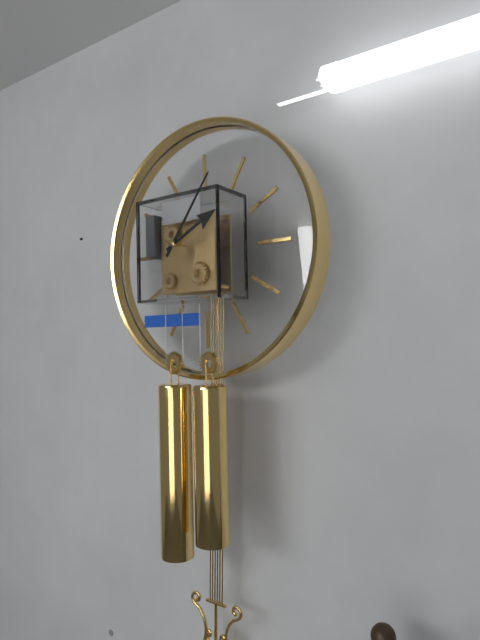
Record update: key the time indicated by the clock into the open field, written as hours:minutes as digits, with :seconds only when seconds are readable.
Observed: 2:06
